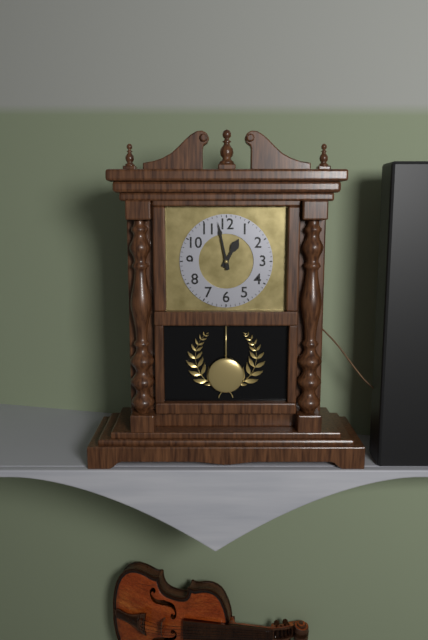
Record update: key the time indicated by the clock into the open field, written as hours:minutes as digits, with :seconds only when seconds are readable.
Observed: 12:58
